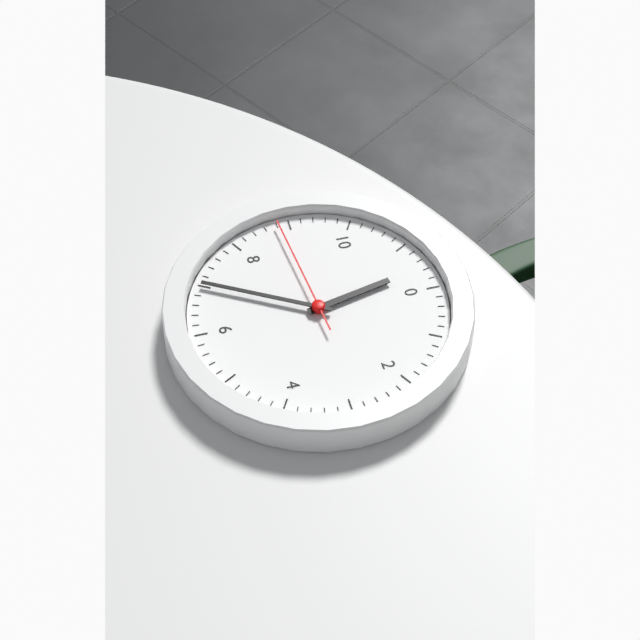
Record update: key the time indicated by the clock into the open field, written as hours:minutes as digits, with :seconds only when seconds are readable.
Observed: 11:35:44
